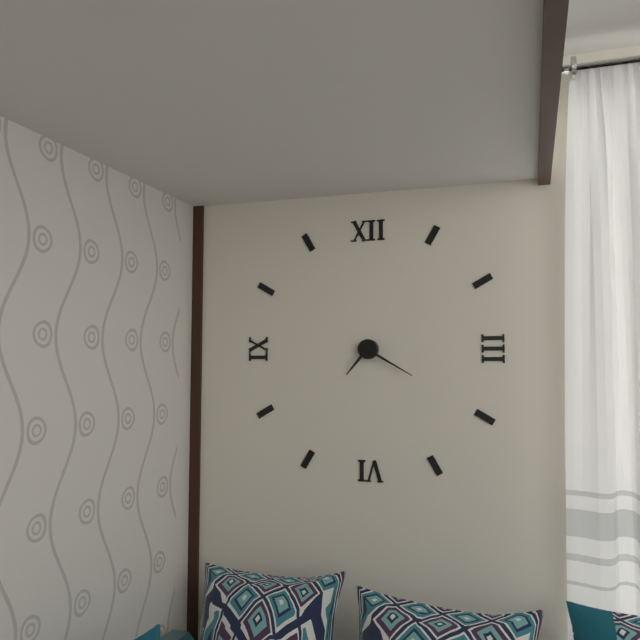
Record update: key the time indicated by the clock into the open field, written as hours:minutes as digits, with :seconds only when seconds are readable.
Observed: 7:20
